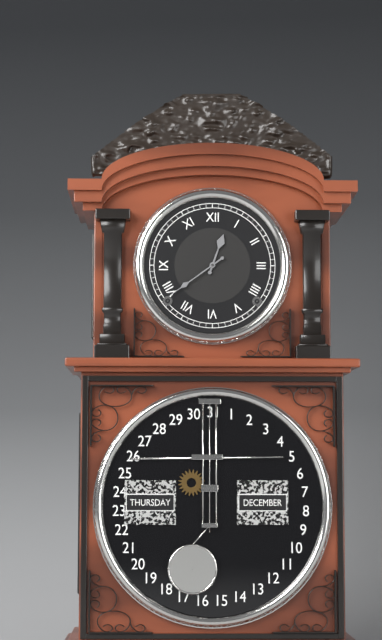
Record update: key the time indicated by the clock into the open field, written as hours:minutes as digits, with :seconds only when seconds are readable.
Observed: 12:39
